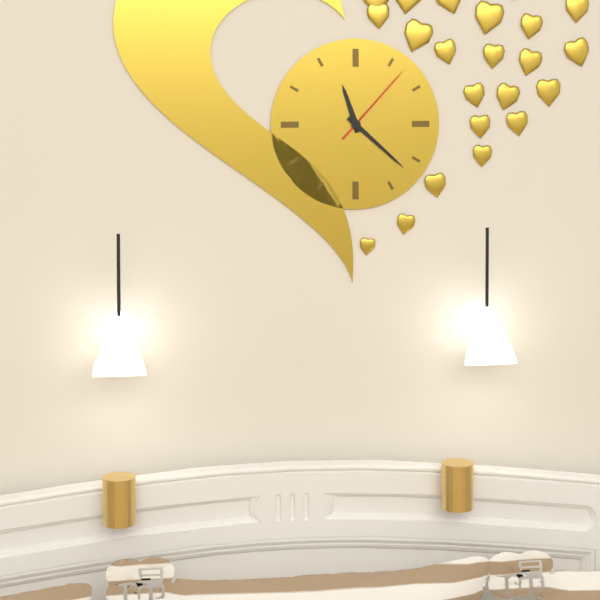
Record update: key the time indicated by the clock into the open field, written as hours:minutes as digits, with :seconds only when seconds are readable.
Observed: 11:22:07
